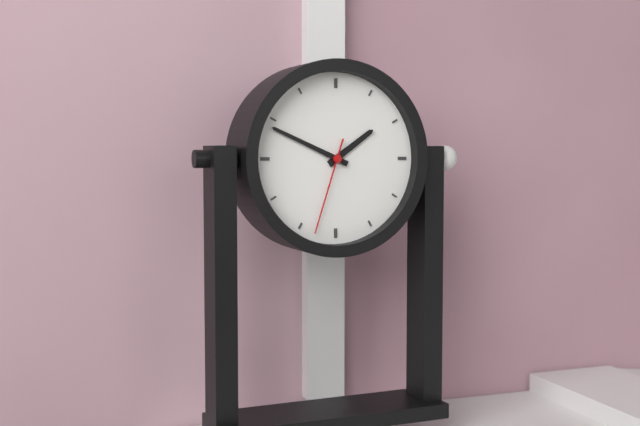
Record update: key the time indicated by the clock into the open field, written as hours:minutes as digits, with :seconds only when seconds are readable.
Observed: 1:49:33
